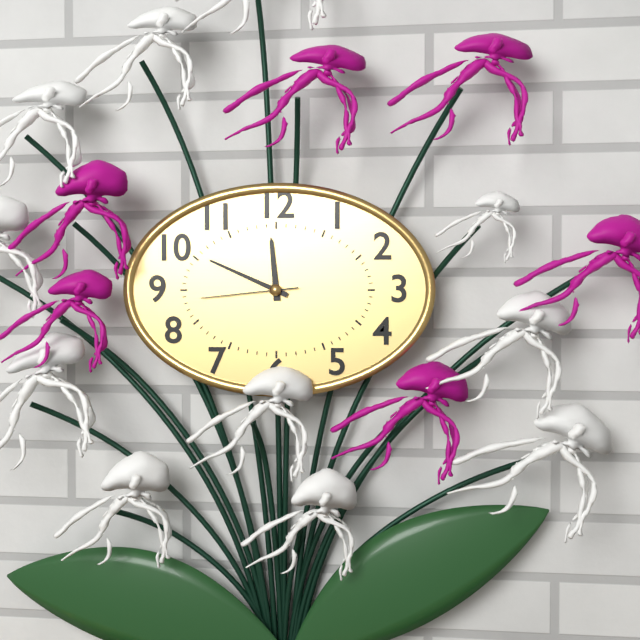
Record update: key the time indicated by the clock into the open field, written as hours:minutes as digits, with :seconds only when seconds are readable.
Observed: 11:49:44
